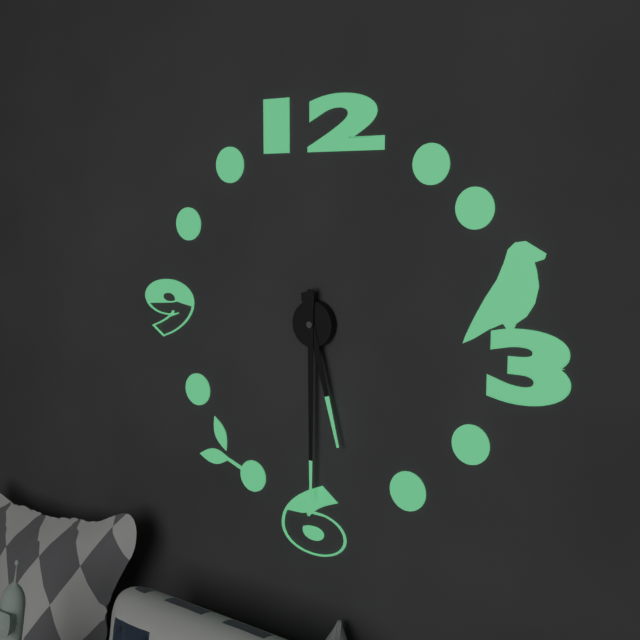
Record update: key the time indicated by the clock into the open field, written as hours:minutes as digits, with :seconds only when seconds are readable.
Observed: 5:30
